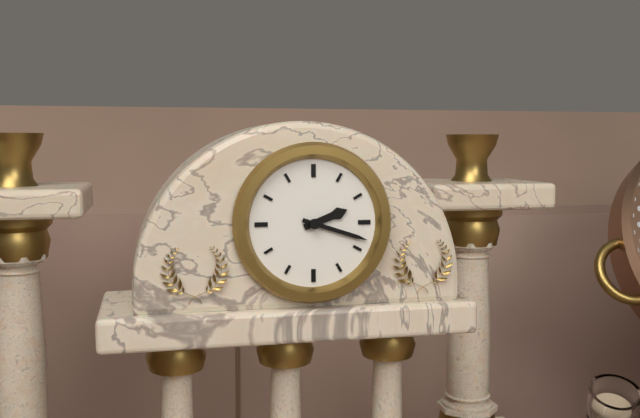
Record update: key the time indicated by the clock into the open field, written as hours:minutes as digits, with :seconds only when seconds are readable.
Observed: 2:18
